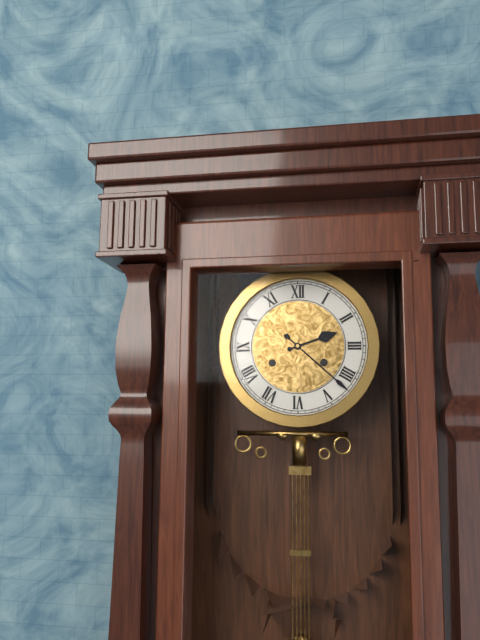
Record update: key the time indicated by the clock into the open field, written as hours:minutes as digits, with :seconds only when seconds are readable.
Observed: 2:22
